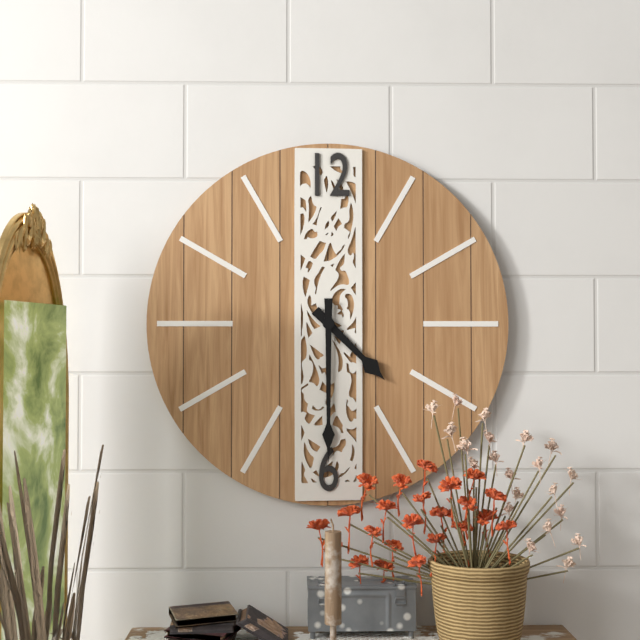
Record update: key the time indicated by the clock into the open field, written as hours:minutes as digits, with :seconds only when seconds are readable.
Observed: 4:30
